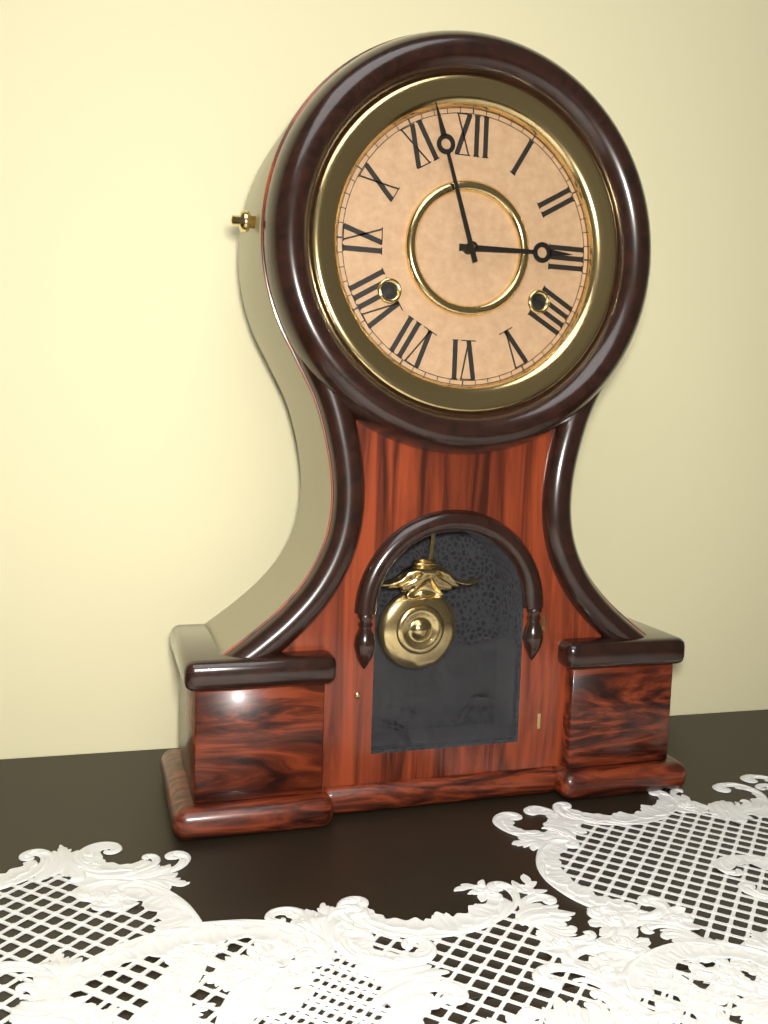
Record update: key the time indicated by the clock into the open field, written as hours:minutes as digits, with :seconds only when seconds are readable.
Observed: 2:57
